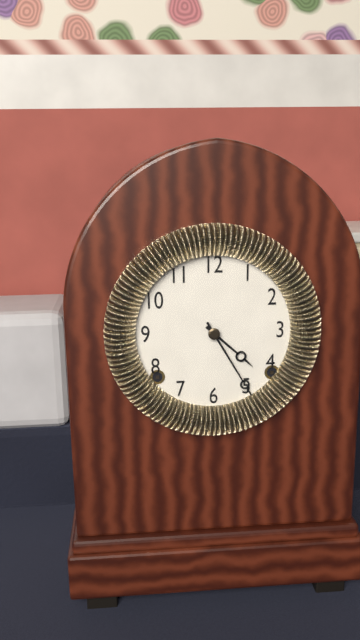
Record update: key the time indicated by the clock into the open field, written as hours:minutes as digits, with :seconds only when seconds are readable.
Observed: 4:25
